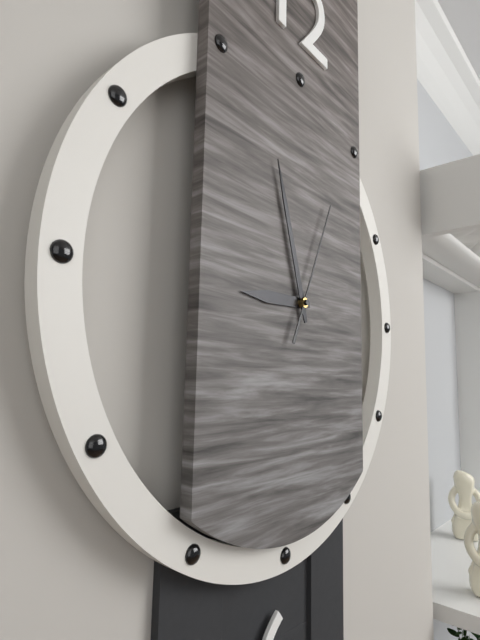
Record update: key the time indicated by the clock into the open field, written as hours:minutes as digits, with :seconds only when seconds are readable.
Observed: 8:57:04
